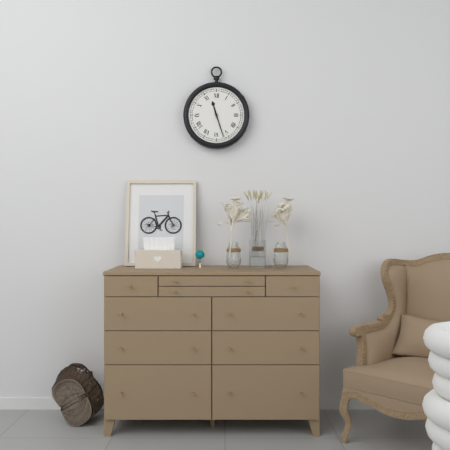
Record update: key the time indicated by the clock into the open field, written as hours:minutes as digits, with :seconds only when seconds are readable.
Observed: 11:27
